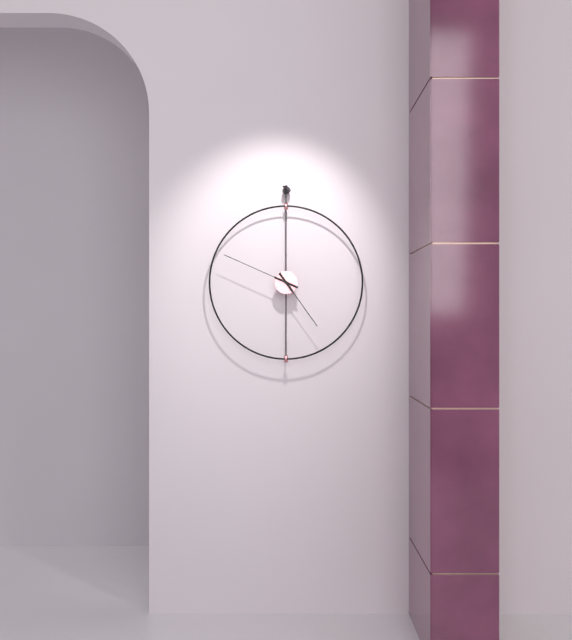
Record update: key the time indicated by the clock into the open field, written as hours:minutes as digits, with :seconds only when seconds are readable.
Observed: 4:49
